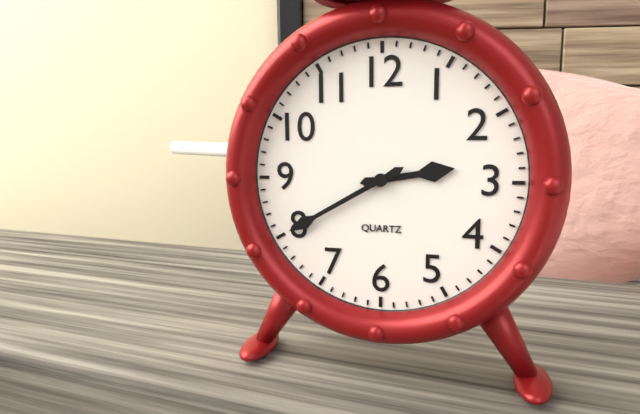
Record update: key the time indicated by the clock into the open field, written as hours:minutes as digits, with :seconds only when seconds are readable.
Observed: 2:40
